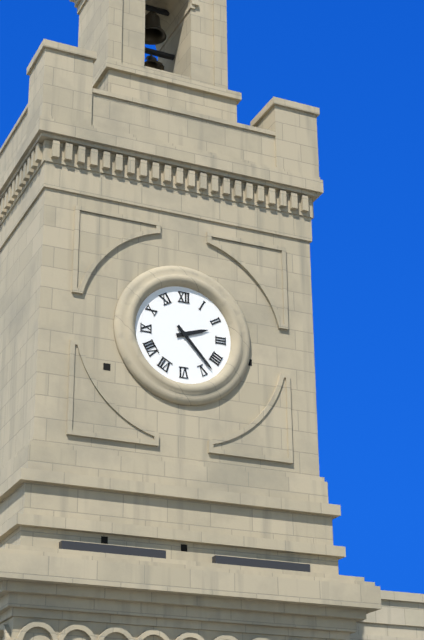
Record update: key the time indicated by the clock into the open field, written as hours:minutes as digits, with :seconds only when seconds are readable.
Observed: 2:23
